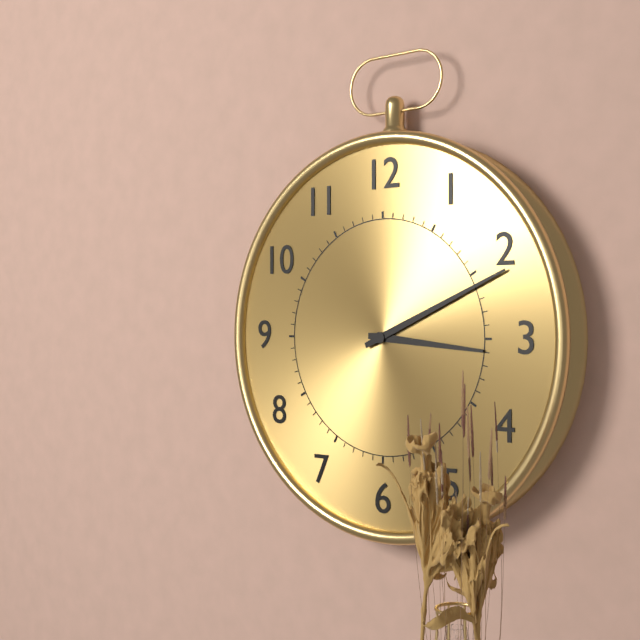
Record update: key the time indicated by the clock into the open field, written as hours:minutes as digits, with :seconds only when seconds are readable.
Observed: 3:11
